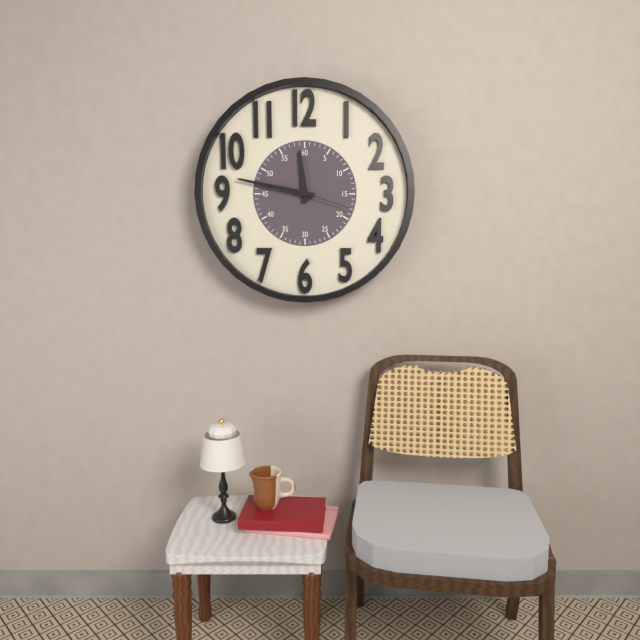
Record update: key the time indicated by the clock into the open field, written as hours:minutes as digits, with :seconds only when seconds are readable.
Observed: 11:47:18
